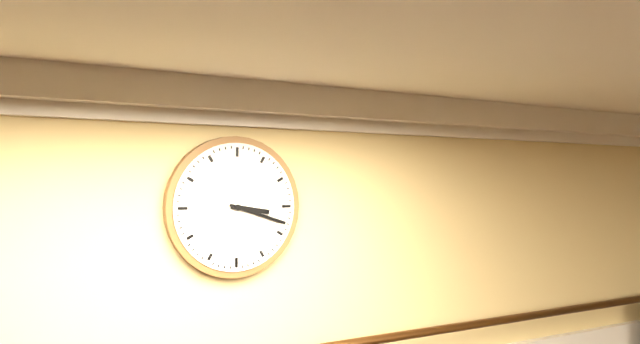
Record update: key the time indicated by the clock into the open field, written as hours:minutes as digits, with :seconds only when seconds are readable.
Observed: 3:18
